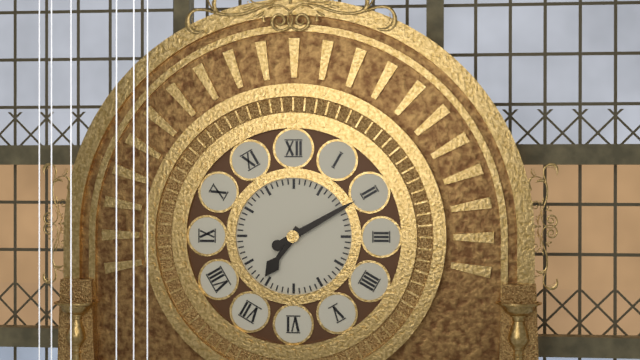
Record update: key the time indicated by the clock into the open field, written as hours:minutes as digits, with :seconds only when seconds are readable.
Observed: 7:10
